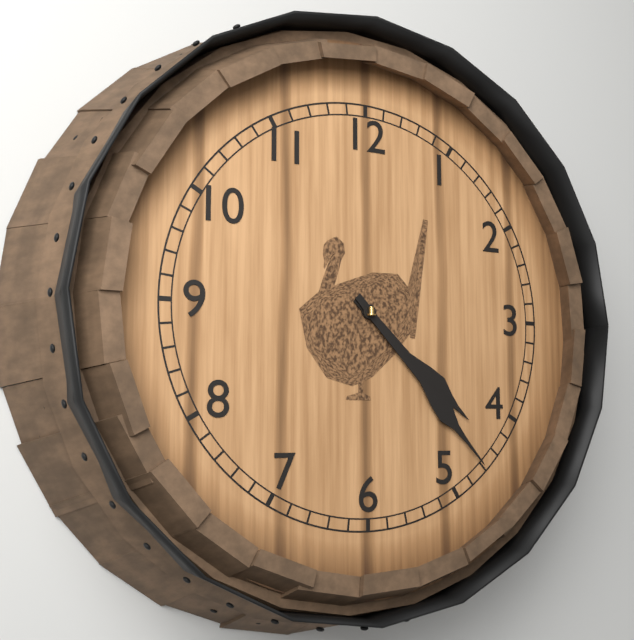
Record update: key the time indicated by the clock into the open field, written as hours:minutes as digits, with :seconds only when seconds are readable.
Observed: 4:23
